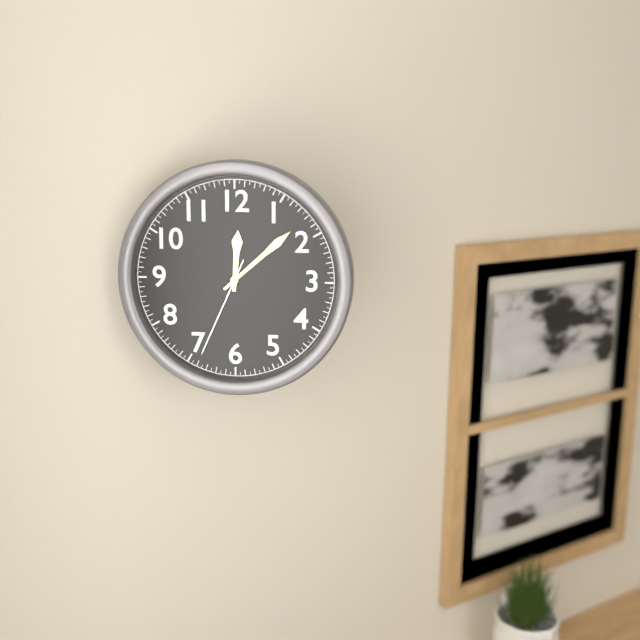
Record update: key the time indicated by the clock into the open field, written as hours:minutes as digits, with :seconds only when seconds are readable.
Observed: 12:08:34
